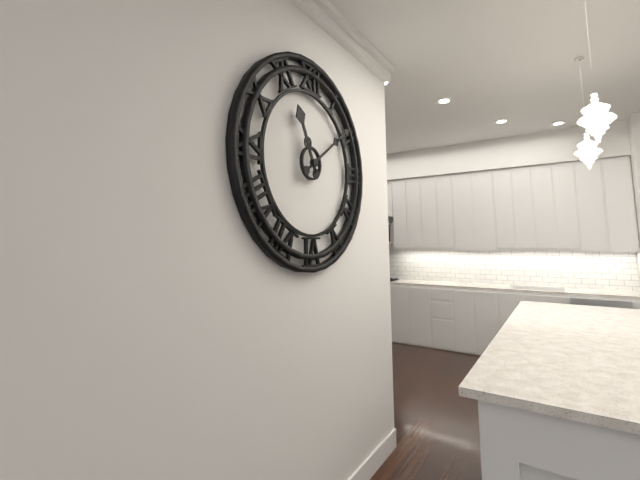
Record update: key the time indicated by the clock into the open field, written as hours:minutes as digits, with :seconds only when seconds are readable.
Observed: 11:09
